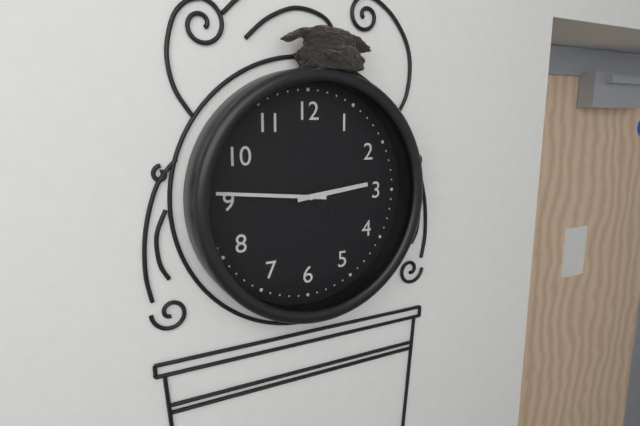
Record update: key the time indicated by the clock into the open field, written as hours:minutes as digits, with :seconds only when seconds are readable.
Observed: 2:46
